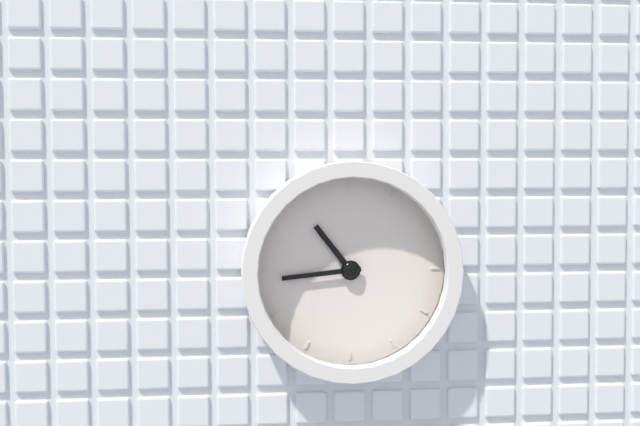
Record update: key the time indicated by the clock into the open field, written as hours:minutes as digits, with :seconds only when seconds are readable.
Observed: 10:44
